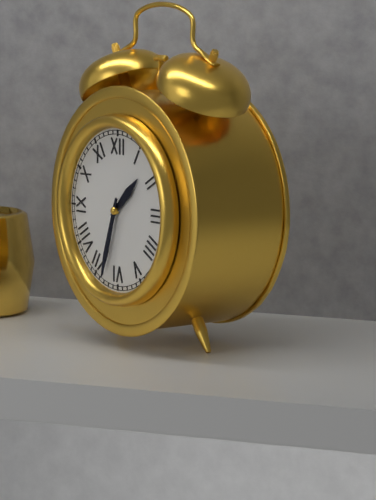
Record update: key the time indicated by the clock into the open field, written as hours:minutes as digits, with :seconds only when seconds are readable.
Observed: 1:33
